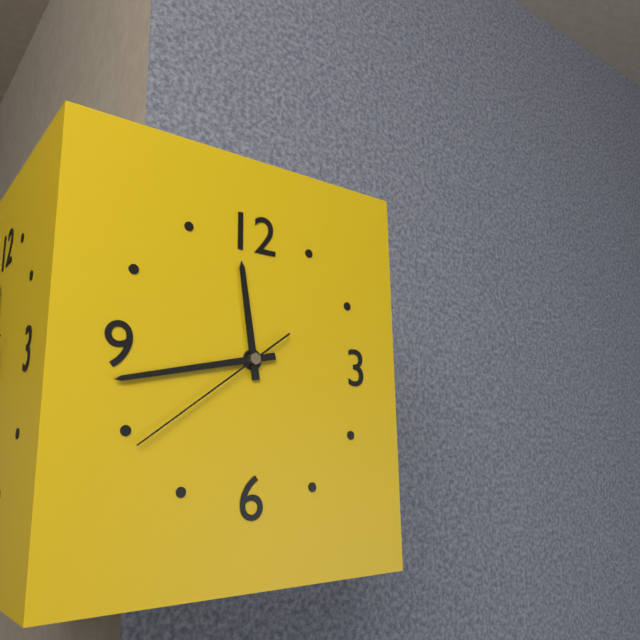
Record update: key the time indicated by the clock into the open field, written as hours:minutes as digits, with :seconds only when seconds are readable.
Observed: 11:43:39
